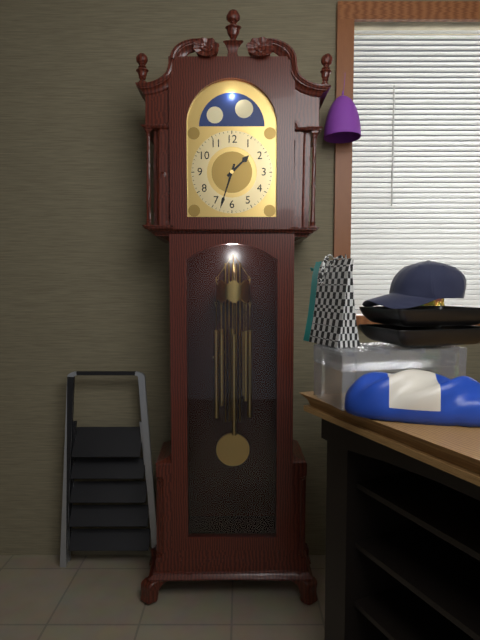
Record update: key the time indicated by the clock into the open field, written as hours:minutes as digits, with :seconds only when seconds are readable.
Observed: 1:33
